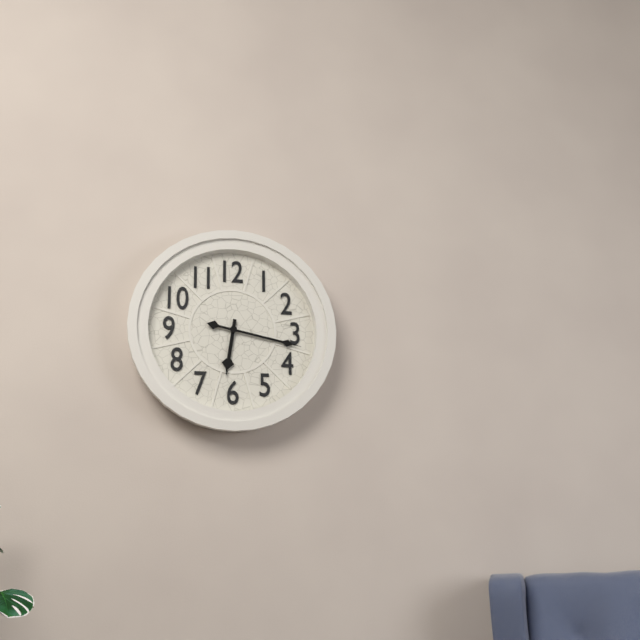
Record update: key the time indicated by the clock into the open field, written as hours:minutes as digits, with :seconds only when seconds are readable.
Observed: 6:17
